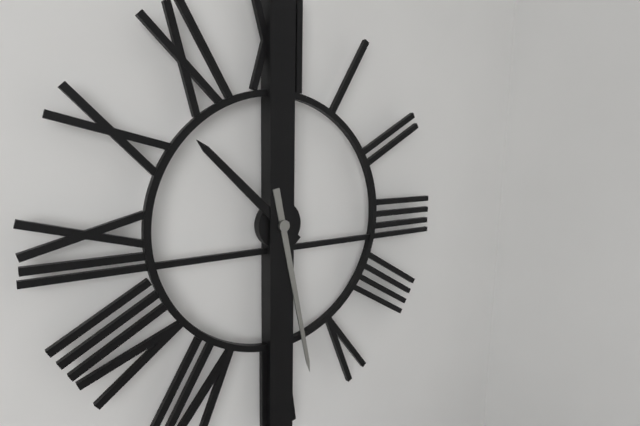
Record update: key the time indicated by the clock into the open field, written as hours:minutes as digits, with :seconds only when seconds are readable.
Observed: 10:28
